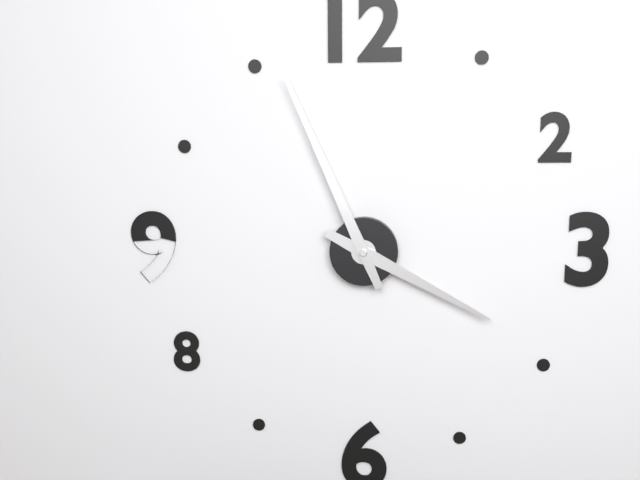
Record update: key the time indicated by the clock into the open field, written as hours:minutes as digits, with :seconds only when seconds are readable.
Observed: 3:56
